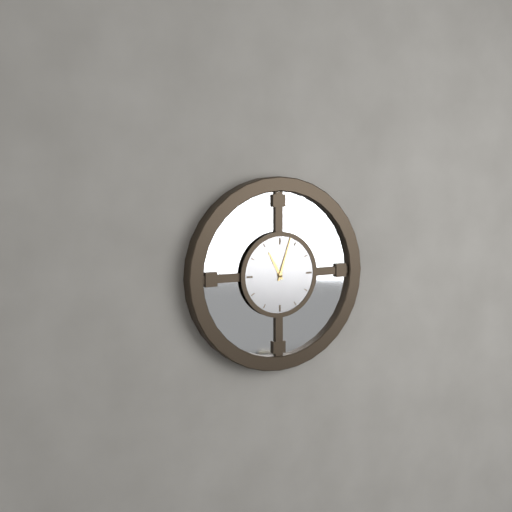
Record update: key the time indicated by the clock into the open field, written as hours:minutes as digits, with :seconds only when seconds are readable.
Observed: 11:03
